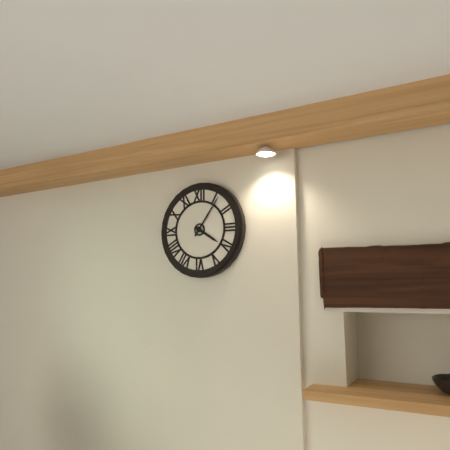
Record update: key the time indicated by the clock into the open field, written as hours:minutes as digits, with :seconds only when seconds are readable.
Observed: 4:06
